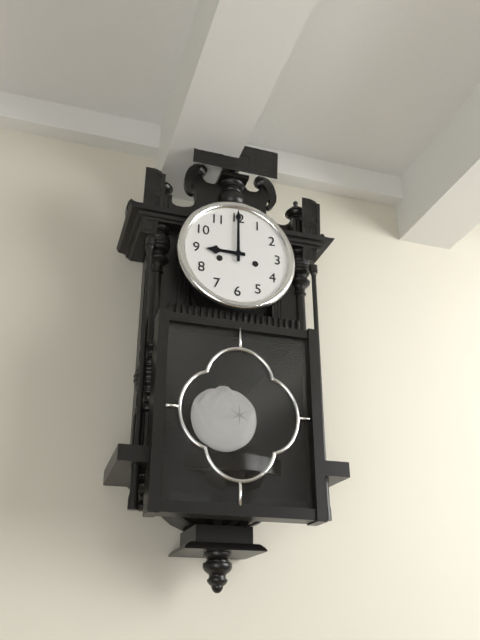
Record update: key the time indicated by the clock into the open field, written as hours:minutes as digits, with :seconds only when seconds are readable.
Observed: 9:00
